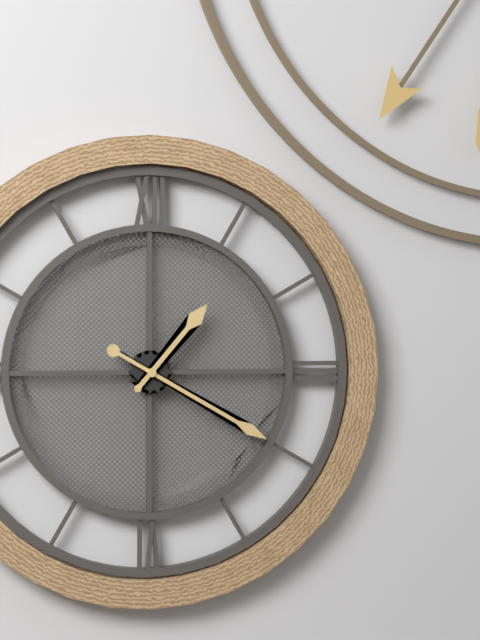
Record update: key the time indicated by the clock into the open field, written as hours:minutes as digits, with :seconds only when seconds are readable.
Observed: 1:20
